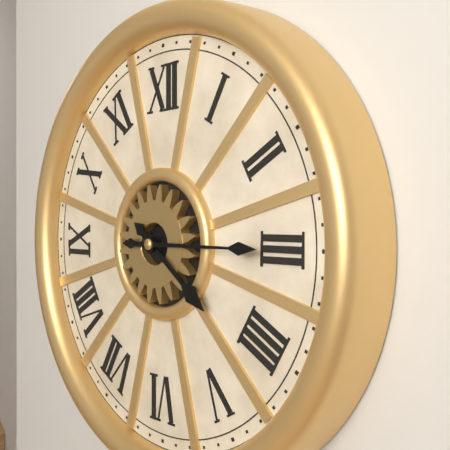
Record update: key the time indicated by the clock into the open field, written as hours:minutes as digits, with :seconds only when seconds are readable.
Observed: 4:15
